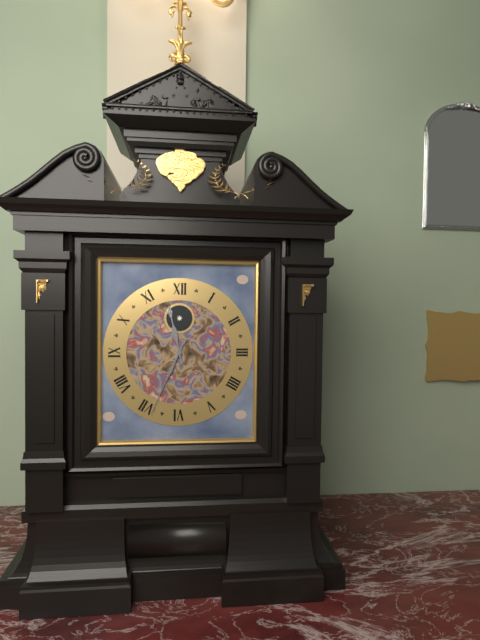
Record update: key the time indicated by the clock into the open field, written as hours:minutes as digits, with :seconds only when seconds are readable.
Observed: 11:34
